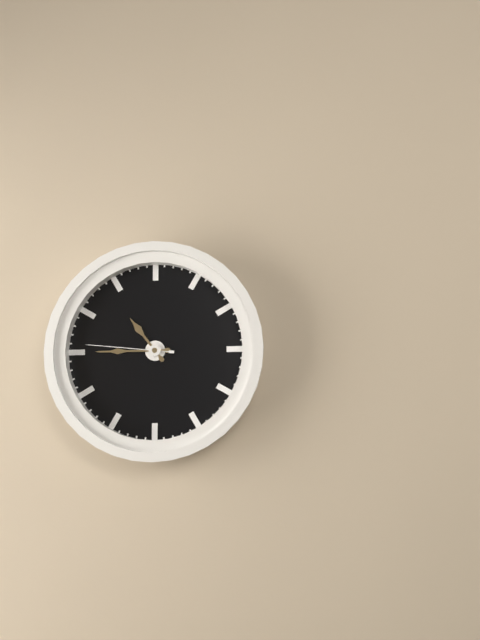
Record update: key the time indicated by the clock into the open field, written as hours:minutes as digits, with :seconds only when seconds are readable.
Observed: 10:45:46
